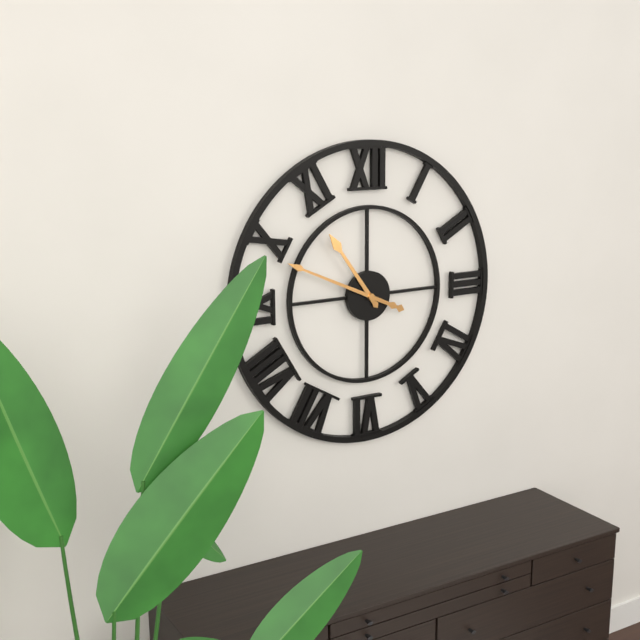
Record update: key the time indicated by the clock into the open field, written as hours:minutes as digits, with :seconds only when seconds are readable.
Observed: 10:49
